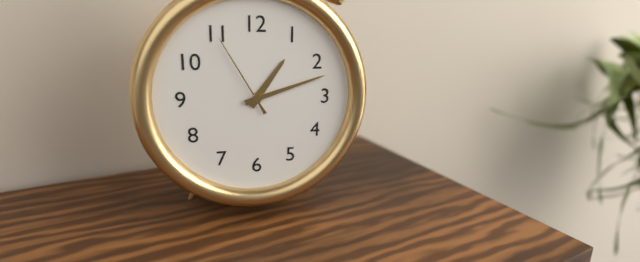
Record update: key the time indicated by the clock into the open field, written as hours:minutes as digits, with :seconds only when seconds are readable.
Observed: 1:12:55
